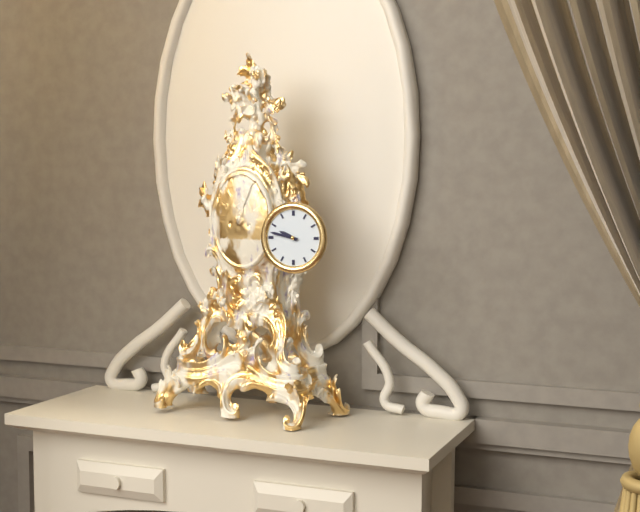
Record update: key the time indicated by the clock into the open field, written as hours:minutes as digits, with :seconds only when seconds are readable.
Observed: 9:47
